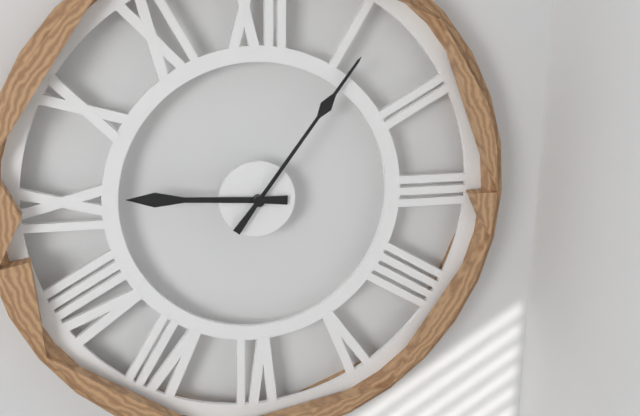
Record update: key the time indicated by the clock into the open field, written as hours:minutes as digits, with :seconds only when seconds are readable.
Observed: 9:06
